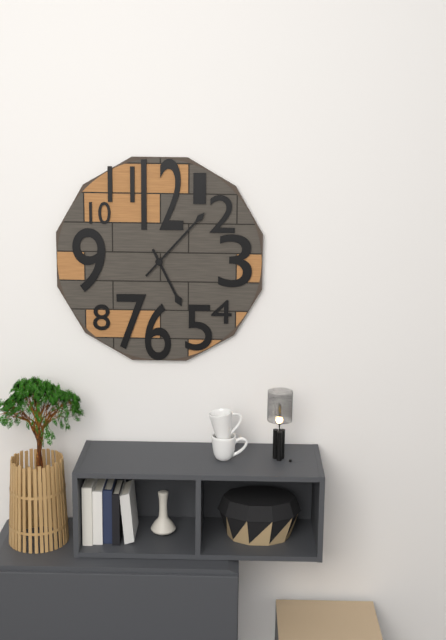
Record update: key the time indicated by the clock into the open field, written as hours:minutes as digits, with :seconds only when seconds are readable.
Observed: 5:07
